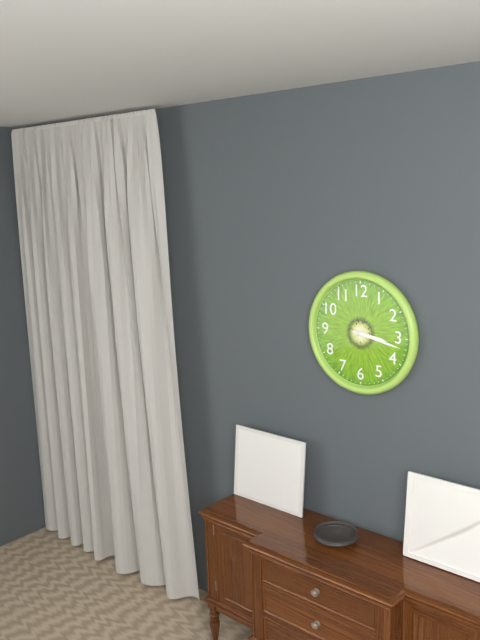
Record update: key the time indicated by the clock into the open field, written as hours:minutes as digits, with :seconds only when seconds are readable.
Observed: 3:17
